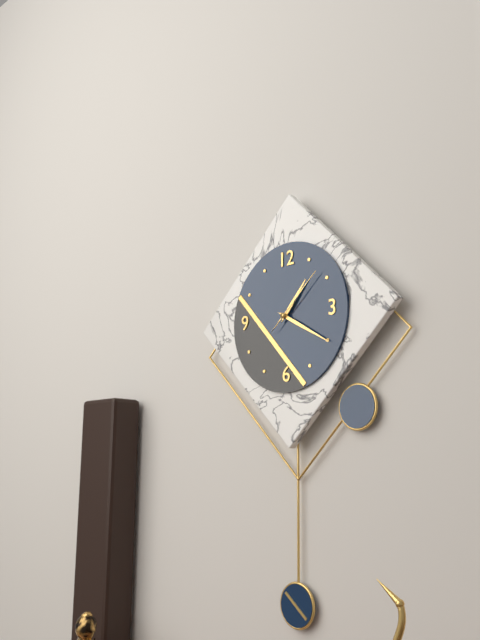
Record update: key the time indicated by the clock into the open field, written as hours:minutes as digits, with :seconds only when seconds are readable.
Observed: 1:20:08
